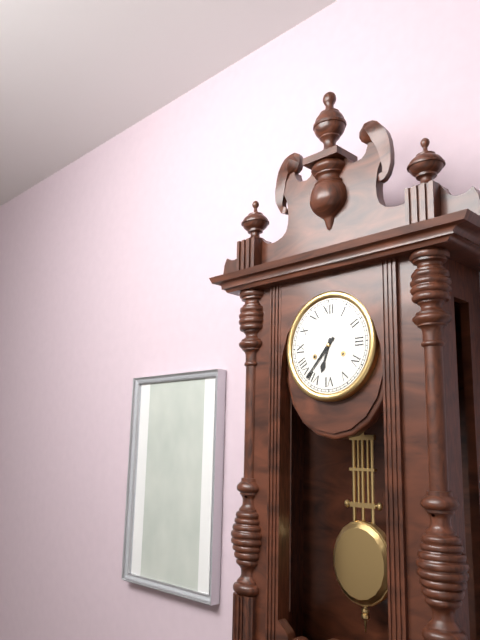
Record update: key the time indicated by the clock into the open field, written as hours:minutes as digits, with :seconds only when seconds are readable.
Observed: 6:37
